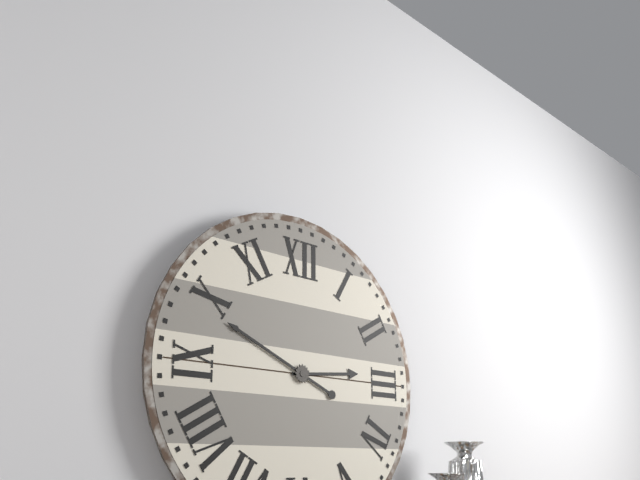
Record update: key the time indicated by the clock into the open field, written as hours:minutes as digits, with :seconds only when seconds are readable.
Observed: 2:49
